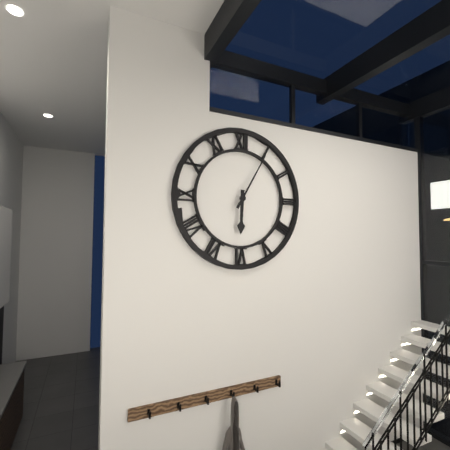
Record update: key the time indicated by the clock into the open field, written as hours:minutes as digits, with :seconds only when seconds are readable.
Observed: 6:05
